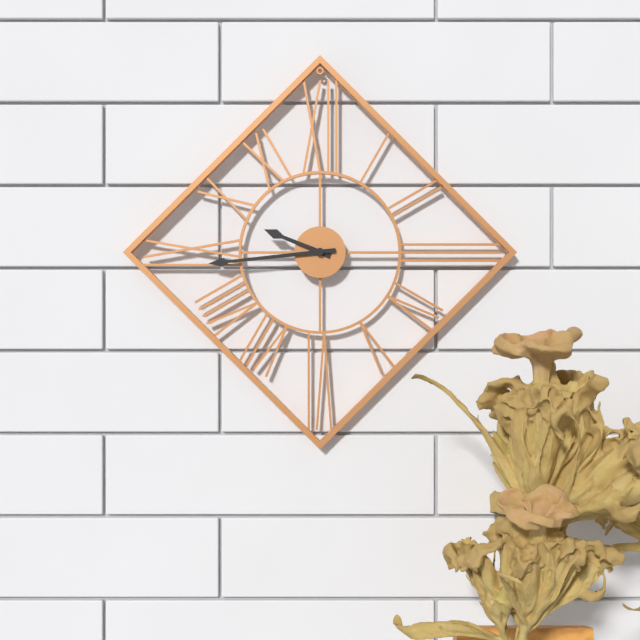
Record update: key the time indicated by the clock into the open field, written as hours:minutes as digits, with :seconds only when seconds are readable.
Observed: 9:44
